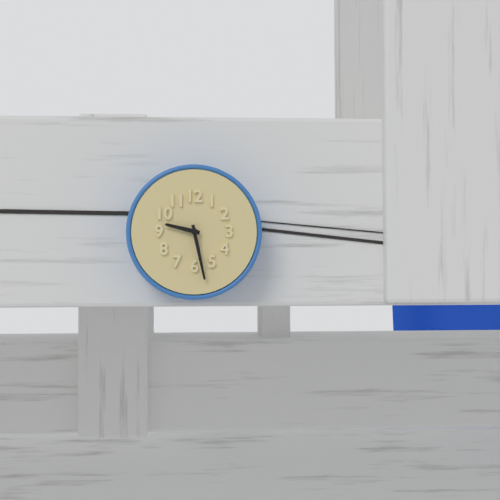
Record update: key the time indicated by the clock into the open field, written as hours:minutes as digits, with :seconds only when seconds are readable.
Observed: 9:28
